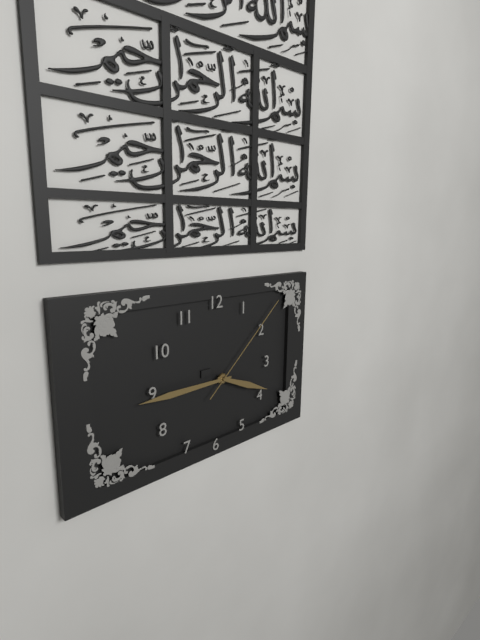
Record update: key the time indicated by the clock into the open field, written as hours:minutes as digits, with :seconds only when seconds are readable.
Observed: 3:45:08
